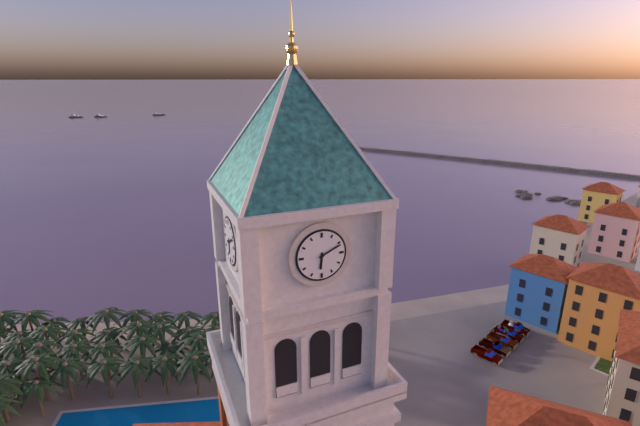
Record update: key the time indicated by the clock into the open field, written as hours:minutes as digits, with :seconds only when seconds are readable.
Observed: 6:11
